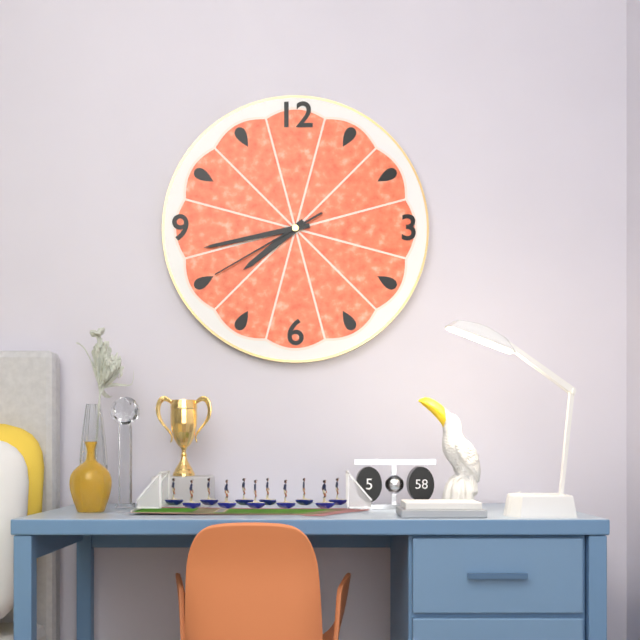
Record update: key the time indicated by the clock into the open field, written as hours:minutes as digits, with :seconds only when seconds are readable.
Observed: 7:43:40
